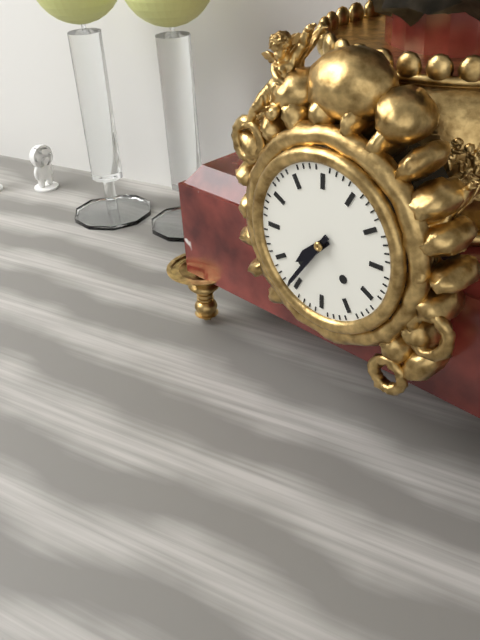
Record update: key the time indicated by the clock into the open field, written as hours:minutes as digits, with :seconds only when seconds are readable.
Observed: 7:36
